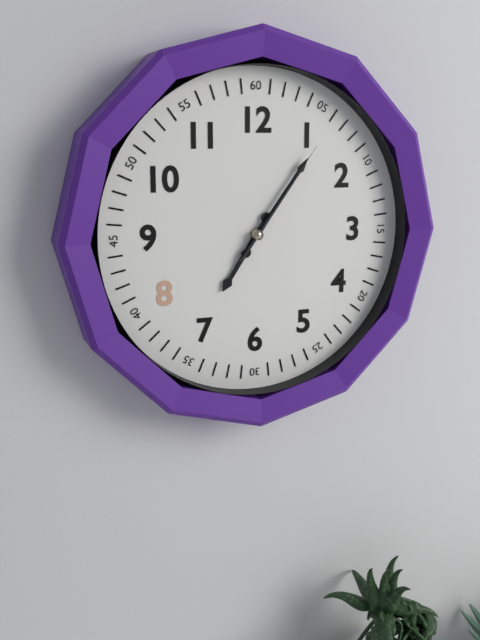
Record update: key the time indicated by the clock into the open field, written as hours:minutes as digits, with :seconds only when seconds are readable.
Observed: 7:06:06
